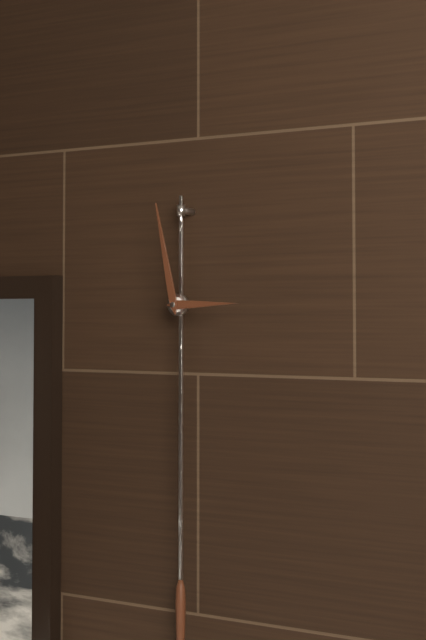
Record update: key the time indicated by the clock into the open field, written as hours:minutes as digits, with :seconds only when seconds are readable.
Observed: 2:58
